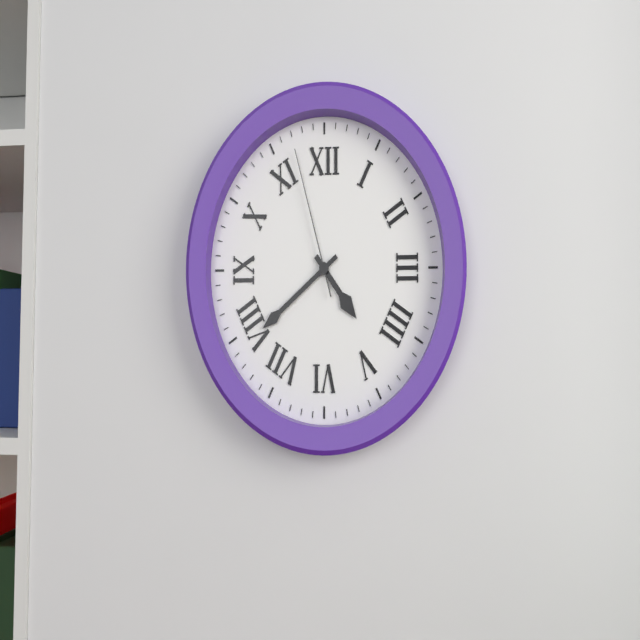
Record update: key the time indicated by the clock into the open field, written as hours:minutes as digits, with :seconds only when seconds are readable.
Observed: 4:39:57
